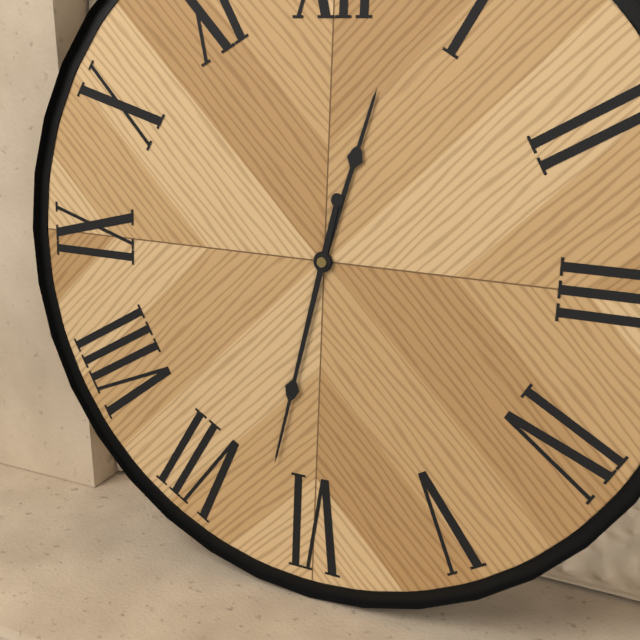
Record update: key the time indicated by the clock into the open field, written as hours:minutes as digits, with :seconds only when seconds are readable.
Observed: 12:32
